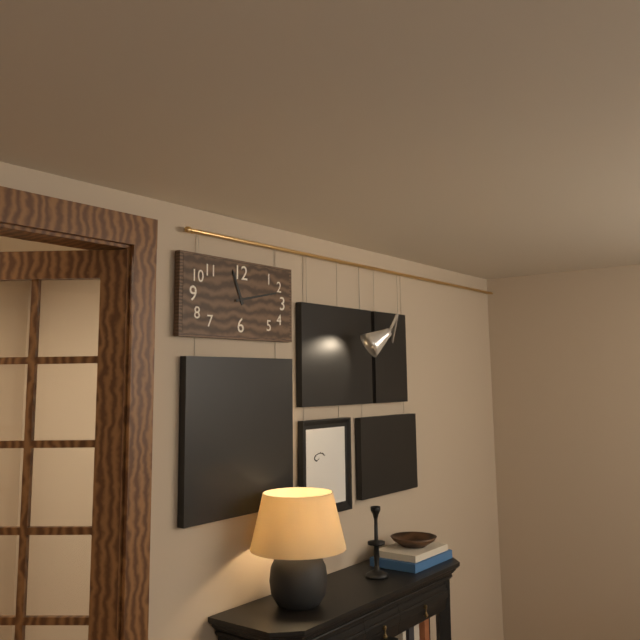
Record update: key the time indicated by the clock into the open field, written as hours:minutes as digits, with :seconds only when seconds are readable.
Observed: 11:13
